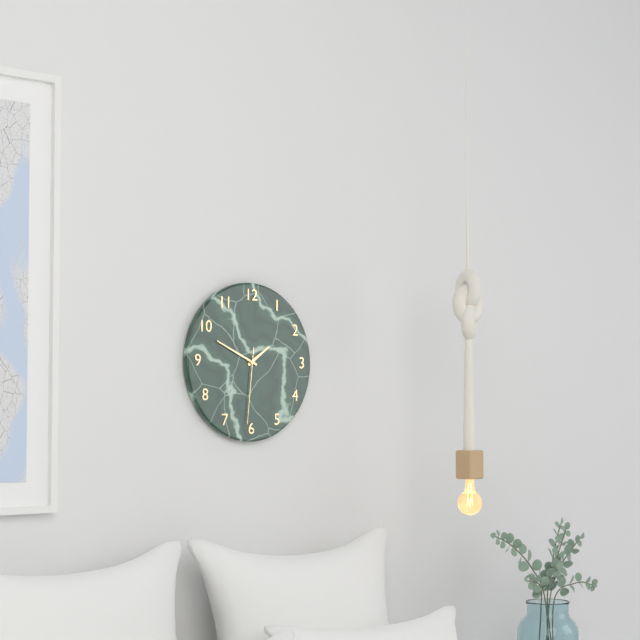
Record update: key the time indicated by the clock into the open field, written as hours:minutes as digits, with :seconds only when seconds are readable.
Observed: 1:49:31
